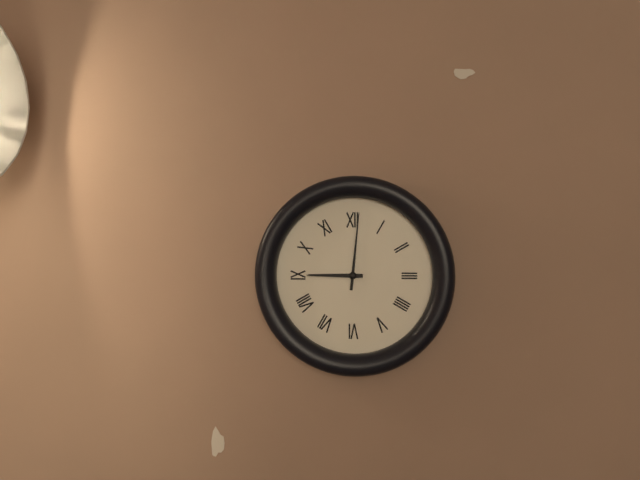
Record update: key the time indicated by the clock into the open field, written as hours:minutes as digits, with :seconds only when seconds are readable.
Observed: 9:01
